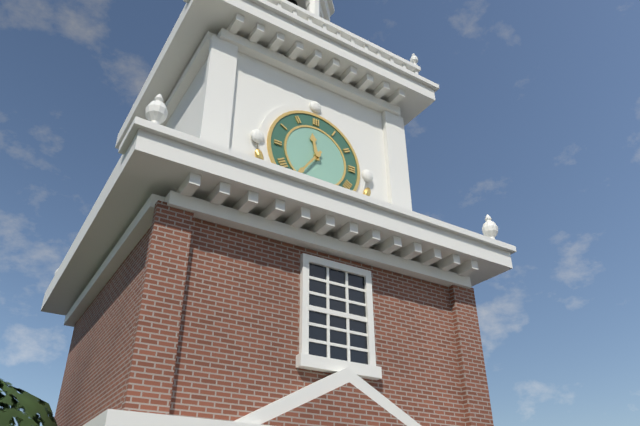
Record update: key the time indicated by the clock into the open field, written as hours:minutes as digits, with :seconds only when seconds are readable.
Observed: 11:36
